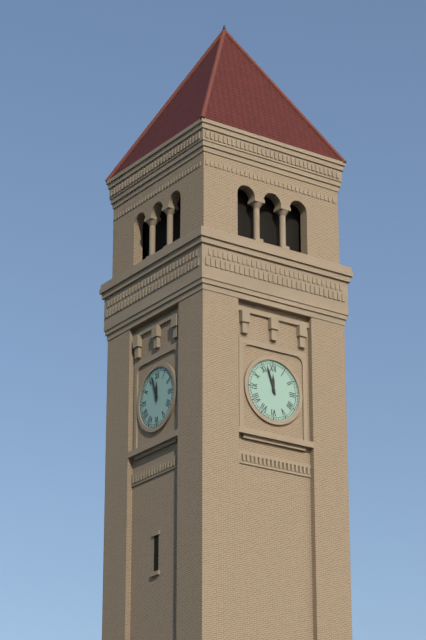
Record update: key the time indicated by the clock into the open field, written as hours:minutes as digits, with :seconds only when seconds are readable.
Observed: 11:57
